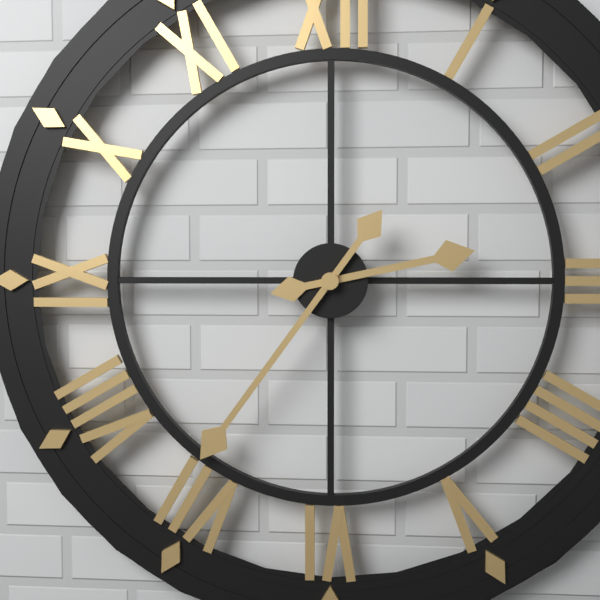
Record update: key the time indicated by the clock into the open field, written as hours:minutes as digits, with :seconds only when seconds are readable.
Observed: 2:36
